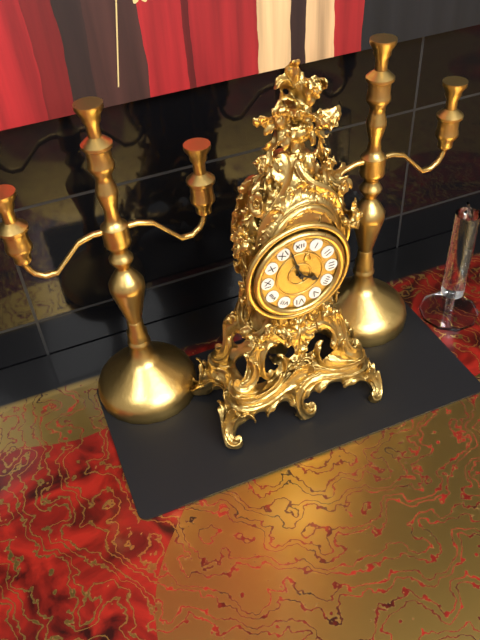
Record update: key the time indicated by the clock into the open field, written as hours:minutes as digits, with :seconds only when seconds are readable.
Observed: 3:57
